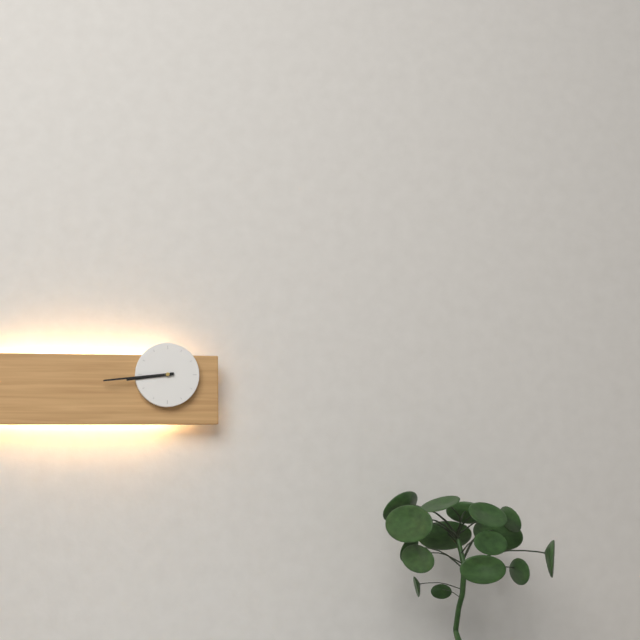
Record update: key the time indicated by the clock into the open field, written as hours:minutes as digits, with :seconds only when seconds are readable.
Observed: 8:44
